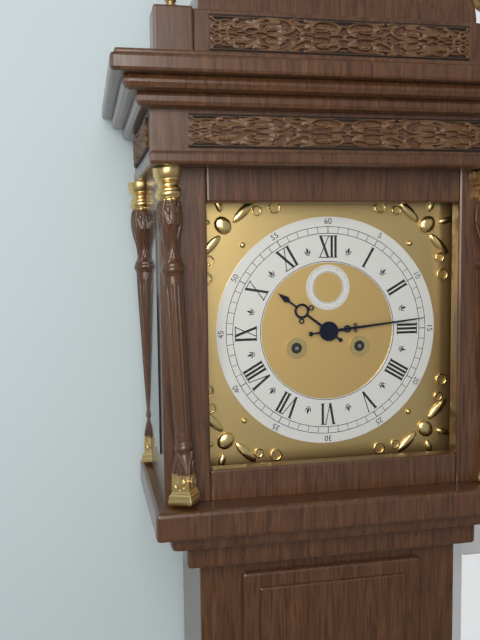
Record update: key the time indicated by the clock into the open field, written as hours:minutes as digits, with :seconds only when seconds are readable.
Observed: 10:14
